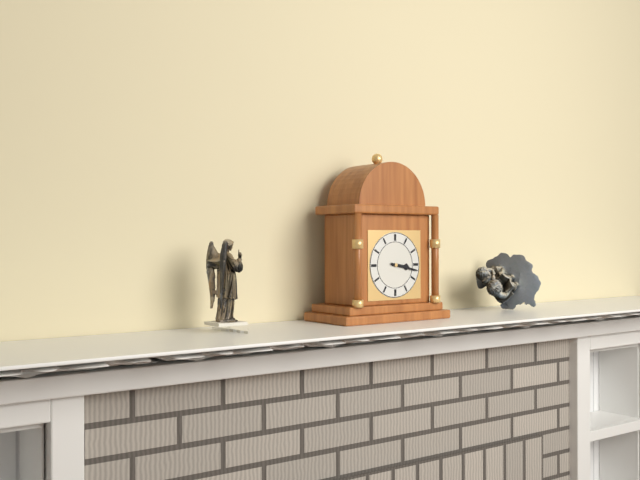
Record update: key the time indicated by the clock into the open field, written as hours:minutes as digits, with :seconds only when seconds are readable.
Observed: 3:17
